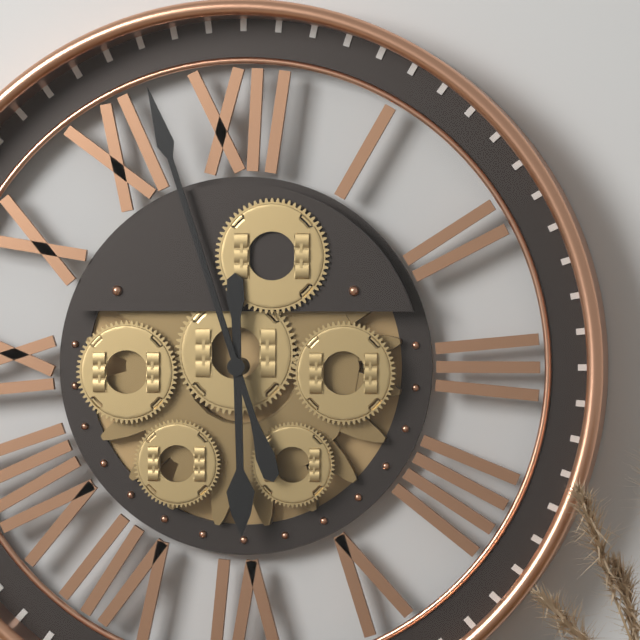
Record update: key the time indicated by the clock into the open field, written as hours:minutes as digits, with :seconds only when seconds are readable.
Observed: 5:57
